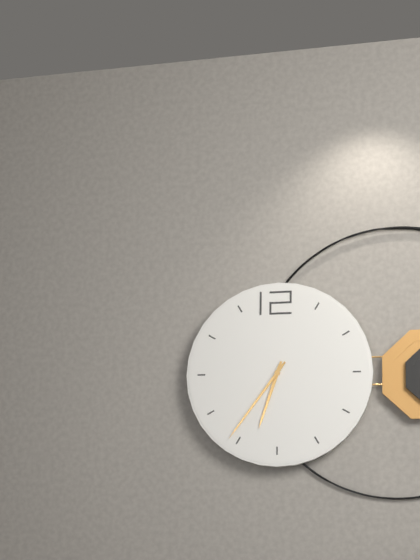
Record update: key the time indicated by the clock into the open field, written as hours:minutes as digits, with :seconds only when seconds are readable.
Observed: 6:36
